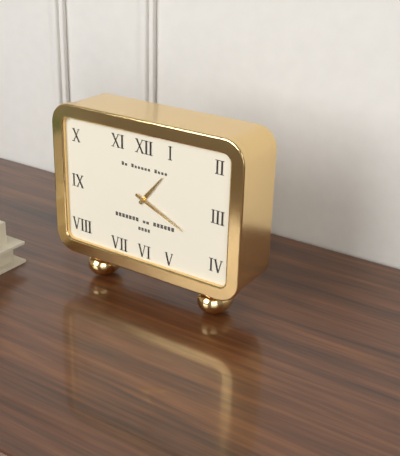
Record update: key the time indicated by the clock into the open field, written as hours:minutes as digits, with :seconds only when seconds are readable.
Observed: 1:19
